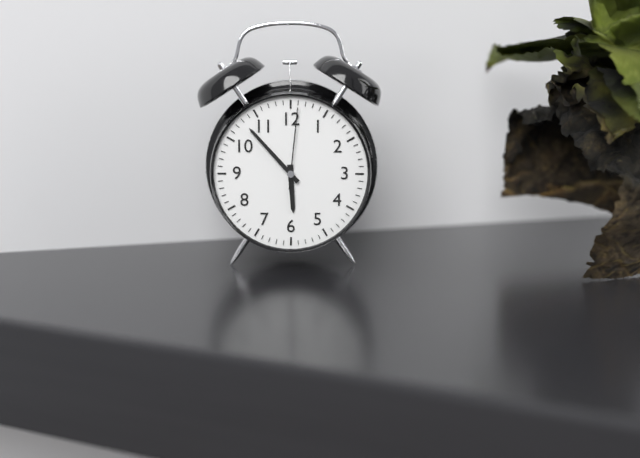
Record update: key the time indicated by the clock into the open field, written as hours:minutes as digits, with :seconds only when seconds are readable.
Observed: 5:53:01
